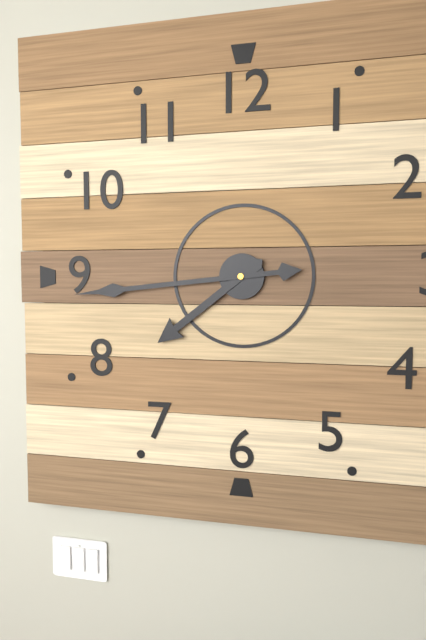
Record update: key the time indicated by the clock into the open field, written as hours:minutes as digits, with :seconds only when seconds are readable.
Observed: 7:44
